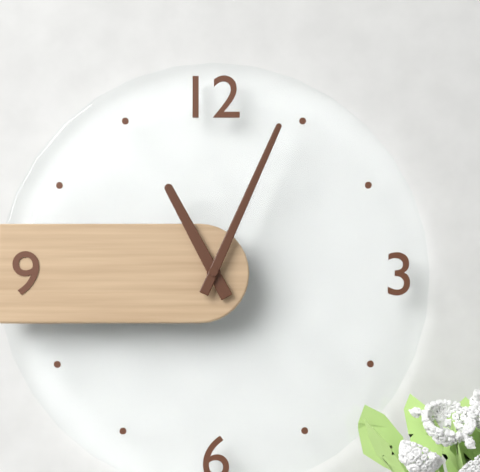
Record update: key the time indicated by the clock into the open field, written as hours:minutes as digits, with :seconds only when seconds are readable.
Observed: 11:04
